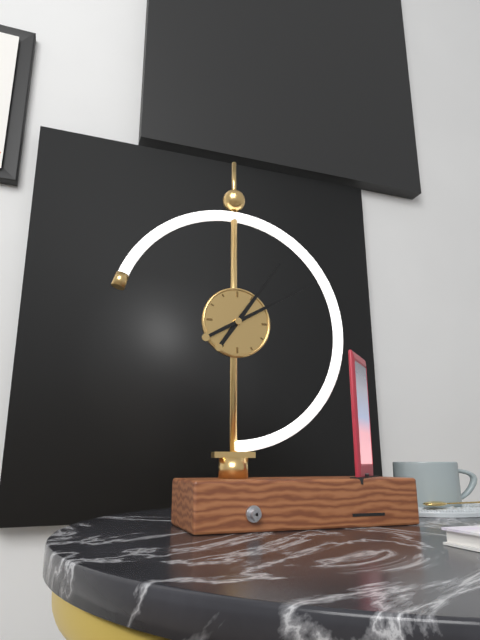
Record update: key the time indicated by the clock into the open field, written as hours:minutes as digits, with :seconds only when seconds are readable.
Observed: 1:10
